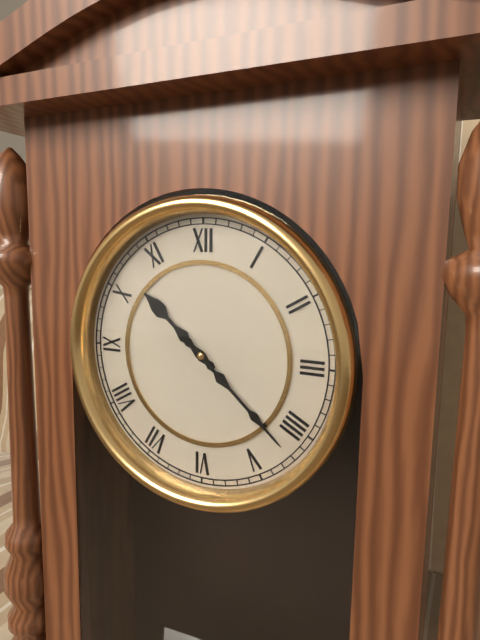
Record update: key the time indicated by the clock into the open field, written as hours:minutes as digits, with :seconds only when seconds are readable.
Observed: 10:22
